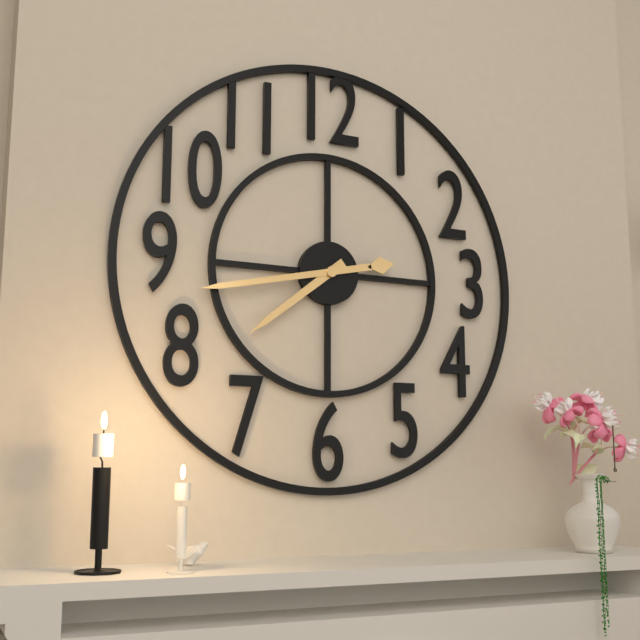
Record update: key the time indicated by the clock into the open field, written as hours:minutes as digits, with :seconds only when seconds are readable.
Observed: 7:43
